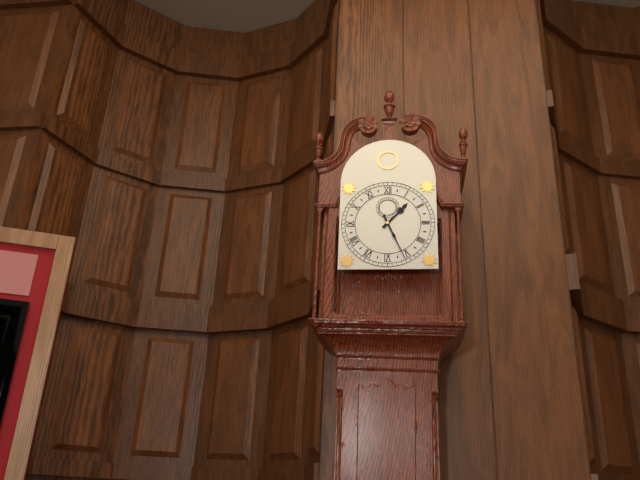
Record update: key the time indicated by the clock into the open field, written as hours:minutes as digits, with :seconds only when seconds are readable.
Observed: 1:26
